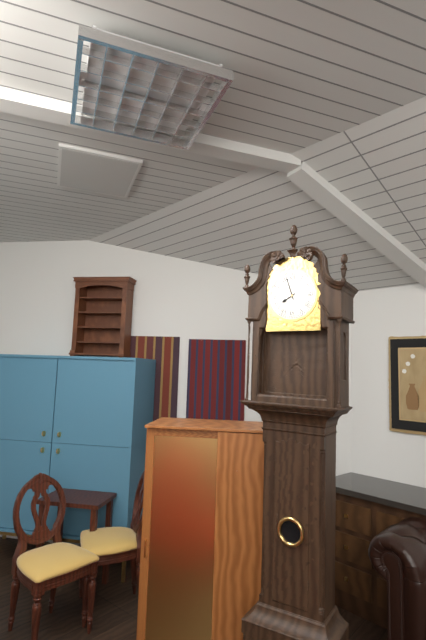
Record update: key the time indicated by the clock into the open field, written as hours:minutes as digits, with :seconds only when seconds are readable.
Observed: 7:57
